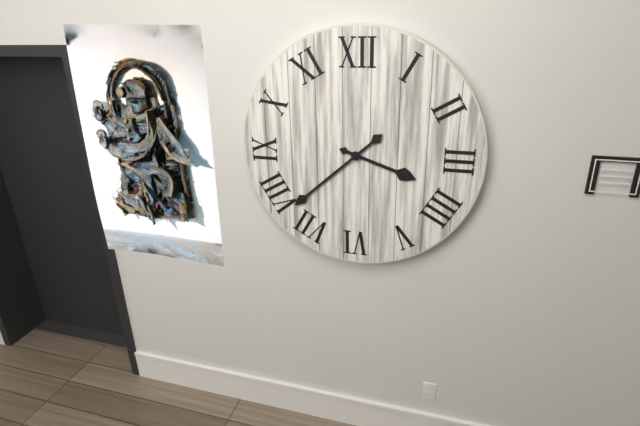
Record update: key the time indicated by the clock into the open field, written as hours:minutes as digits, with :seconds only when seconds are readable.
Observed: 3:38
